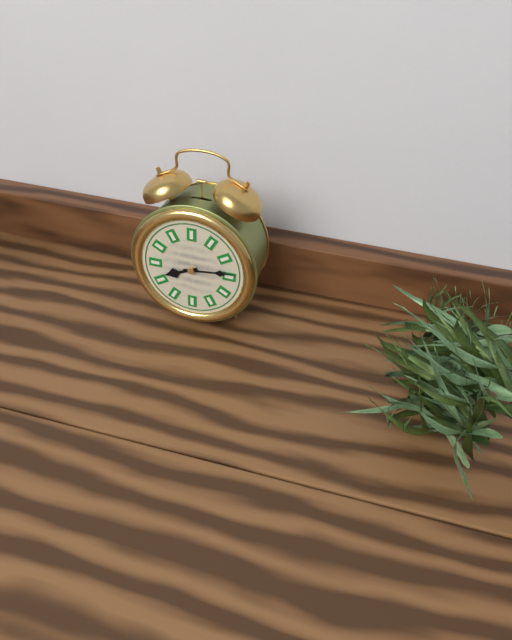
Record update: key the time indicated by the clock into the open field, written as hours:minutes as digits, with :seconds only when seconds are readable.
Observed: 8:14
